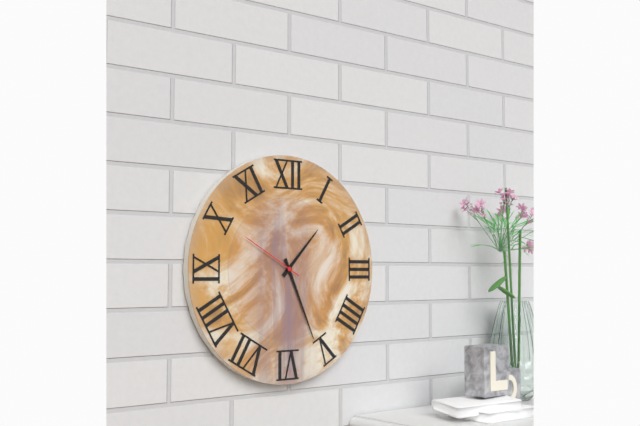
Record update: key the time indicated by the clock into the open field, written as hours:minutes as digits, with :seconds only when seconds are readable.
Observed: 1:26:50
